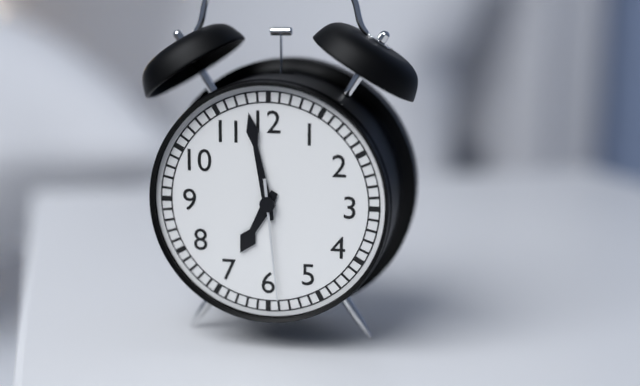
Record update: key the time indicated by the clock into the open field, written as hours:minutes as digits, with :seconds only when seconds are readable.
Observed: 6:58:29
